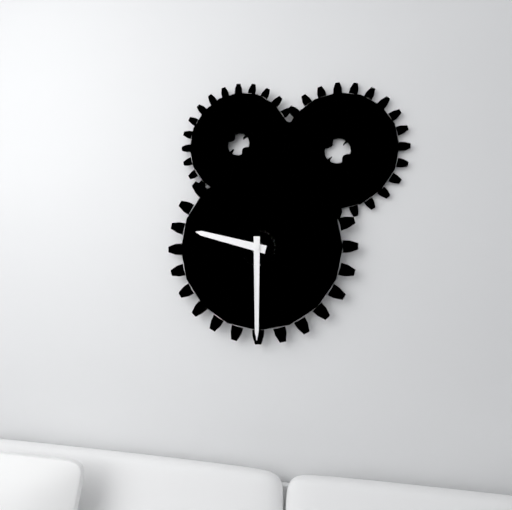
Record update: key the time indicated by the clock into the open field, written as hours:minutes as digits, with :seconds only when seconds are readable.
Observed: 9:30
